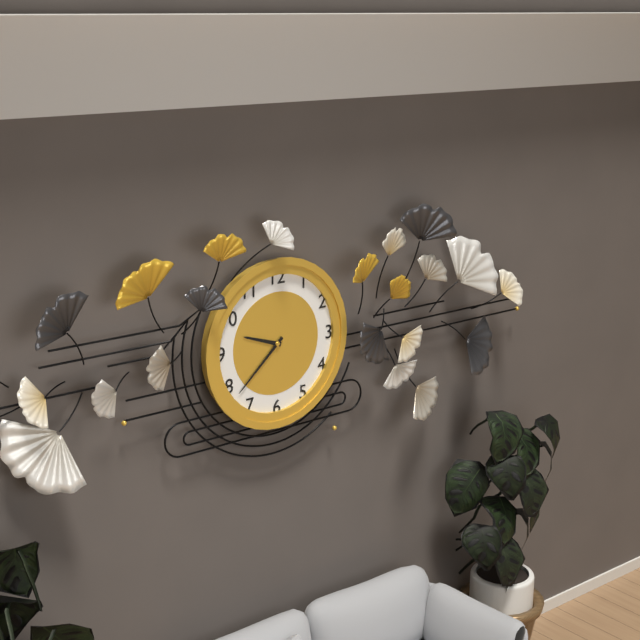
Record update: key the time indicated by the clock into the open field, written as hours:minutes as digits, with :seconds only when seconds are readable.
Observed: 9:38
